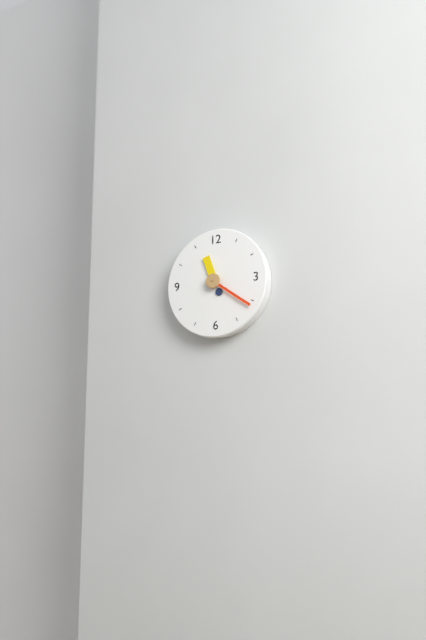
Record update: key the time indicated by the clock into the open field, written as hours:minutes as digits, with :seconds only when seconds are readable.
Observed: 11:21
